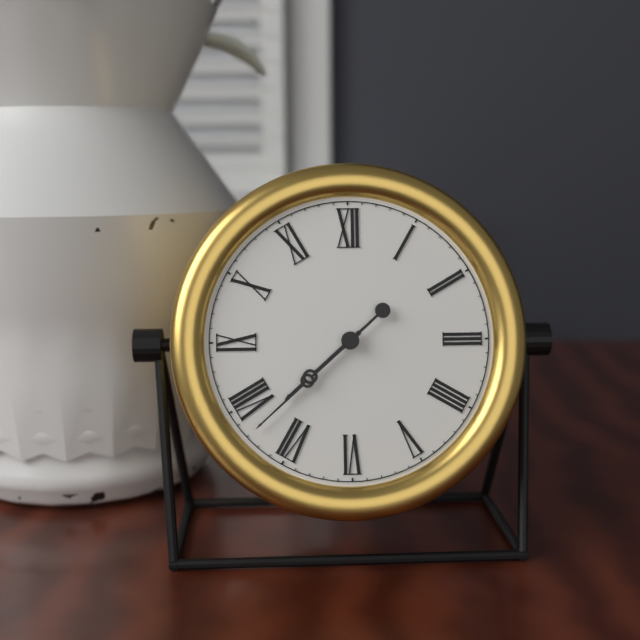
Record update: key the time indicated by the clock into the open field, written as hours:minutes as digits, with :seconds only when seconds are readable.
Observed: 7:38
